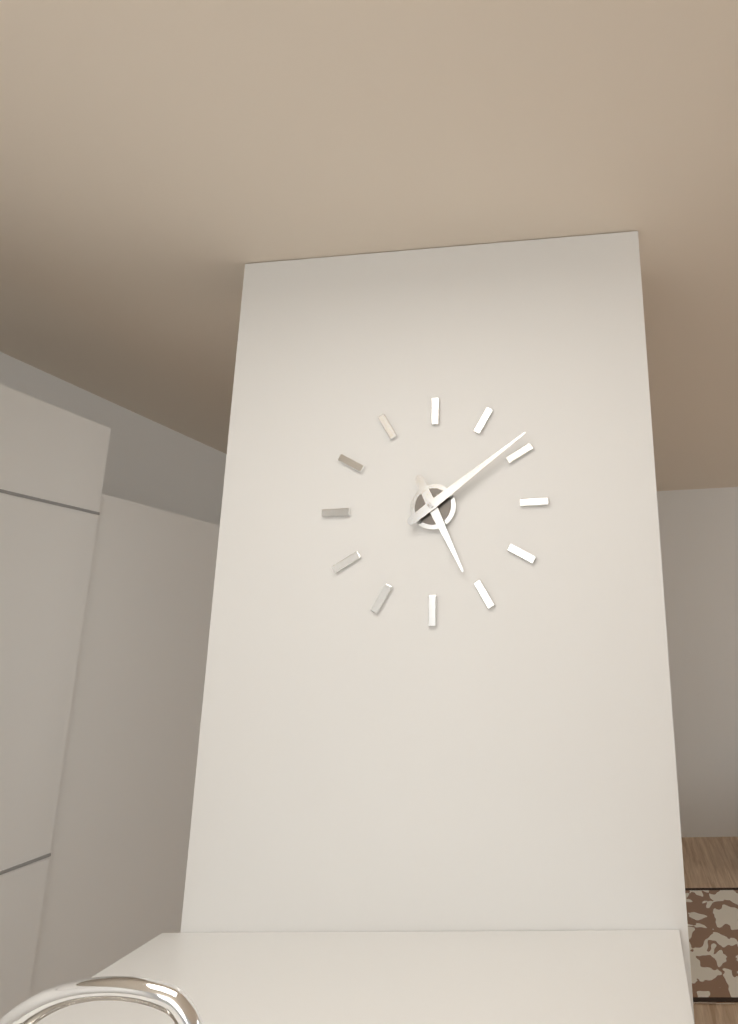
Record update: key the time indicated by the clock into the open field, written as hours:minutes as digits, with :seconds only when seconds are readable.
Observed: 5:09
